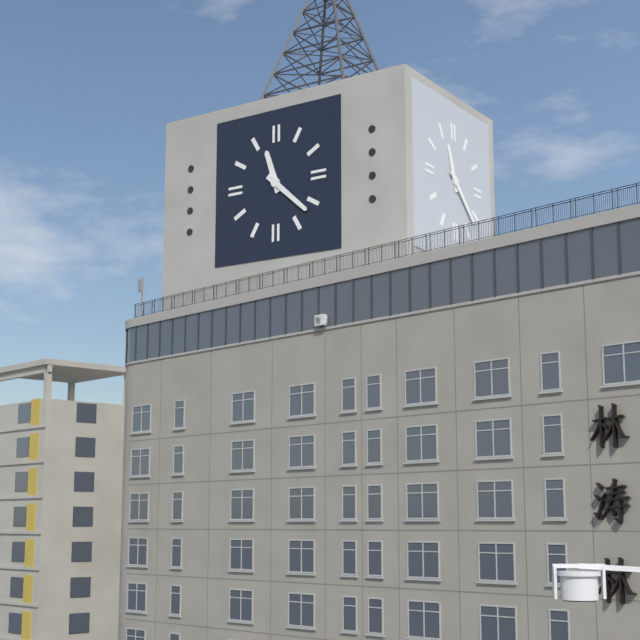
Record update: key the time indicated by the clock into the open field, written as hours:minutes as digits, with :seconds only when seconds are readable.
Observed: 11:22
